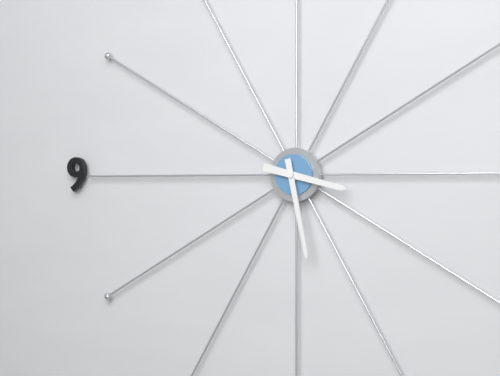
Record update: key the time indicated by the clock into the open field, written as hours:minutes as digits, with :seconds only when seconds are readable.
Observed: 3:28
